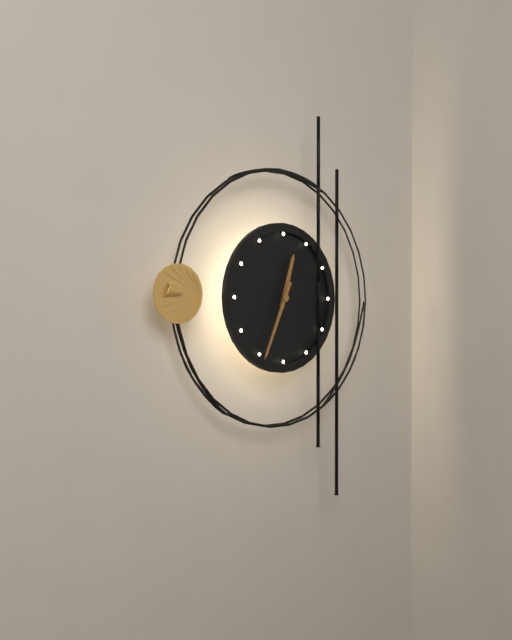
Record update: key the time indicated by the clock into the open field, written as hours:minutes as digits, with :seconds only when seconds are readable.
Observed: 12:34
